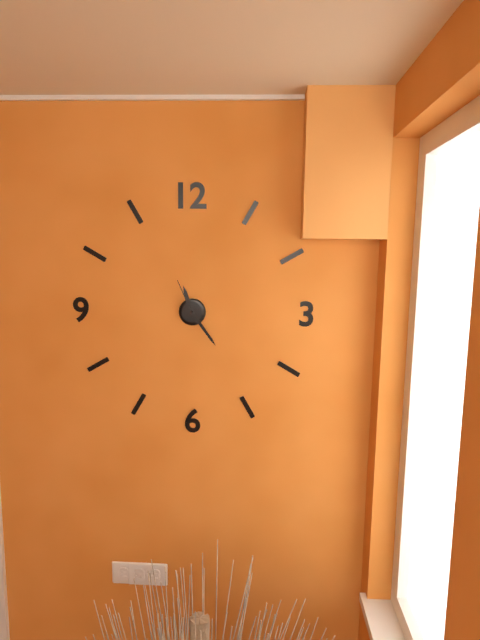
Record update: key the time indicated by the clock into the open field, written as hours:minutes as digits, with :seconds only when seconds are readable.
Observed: 11:24
